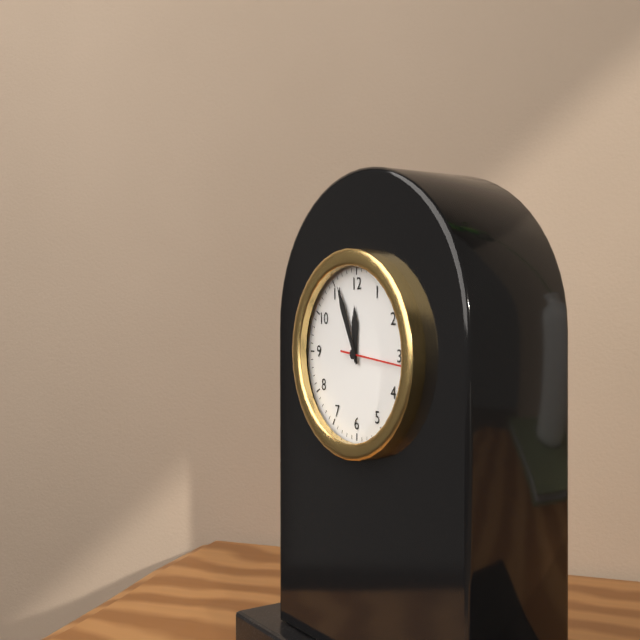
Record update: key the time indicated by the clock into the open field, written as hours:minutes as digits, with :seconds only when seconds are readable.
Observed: 11:56:16
